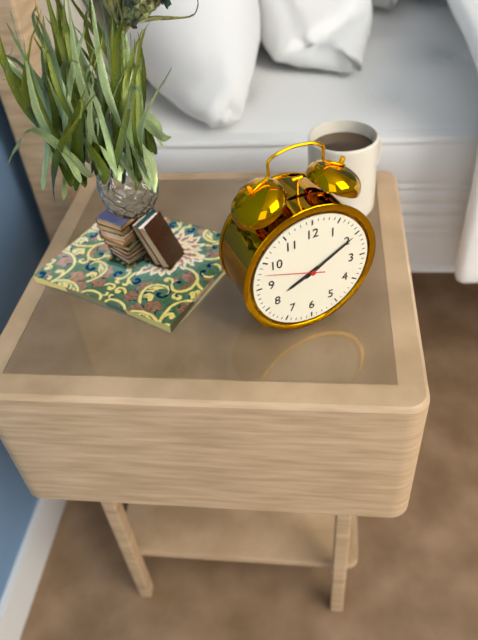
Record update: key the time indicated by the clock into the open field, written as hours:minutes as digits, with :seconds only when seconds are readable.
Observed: 8:10:48
